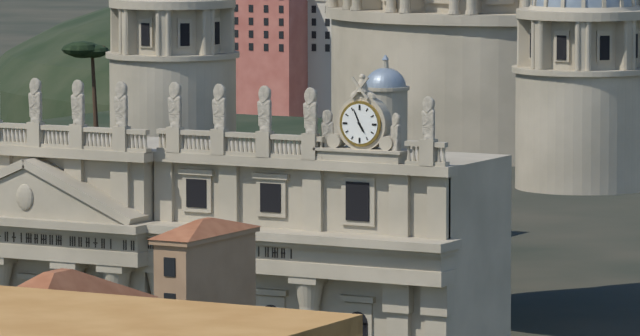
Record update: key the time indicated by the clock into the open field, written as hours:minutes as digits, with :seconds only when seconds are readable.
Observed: 4:56
